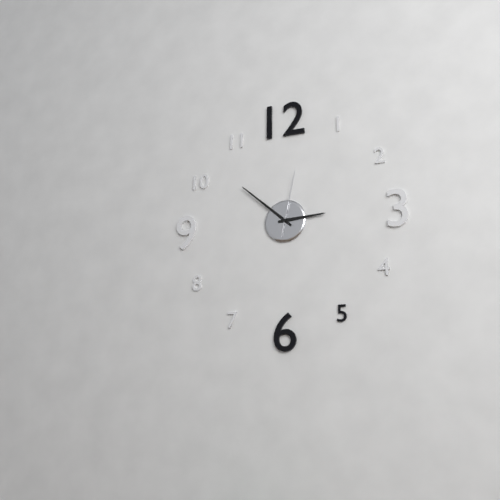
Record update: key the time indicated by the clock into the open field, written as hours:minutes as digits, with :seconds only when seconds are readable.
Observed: 2:52:02
